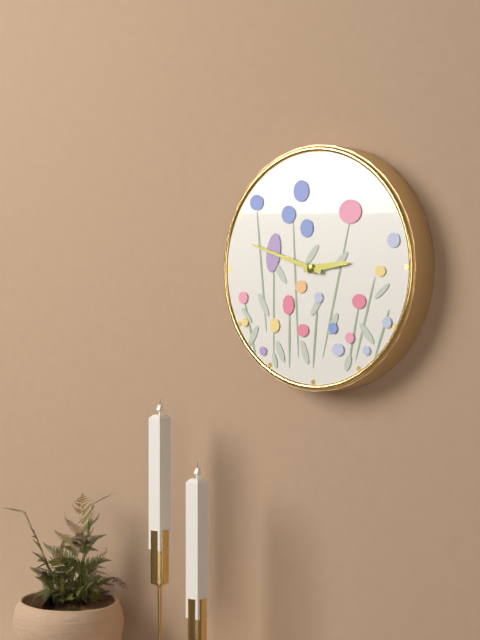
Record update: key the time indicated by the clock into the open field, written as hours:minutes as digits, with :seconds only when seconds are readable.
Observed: 2:48
